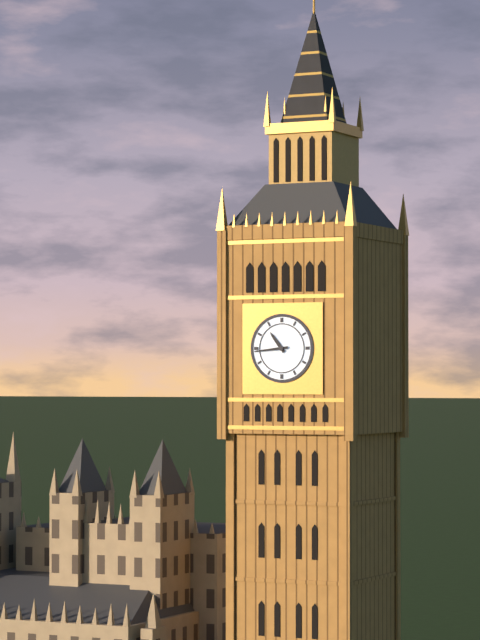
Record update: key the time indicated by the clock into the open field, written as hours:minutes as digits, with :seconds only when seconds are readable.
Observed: 10:44
